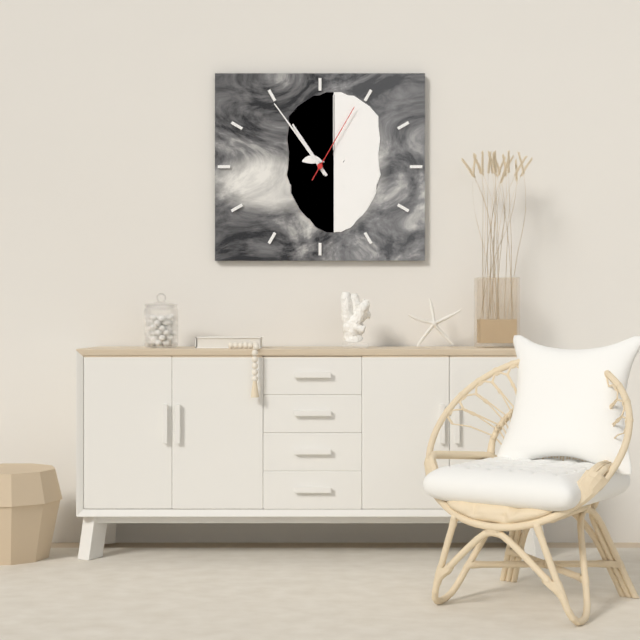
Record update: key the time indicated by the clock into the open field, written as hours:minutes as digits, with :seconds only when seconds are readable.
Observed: 10:54:05
